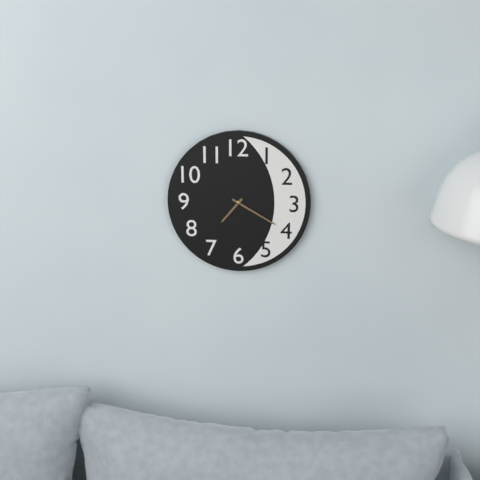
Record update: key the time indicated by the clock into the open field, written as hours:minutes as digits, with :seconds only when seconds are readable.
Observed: 7:20
